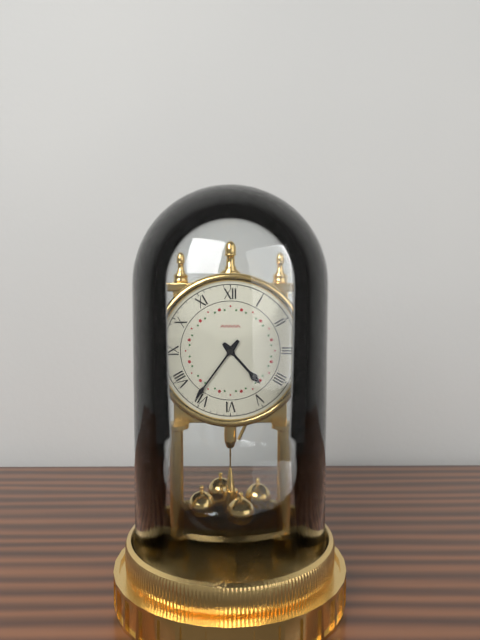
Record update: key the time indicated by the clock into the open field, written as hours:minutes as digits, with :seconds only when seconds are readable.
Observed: 4:36
